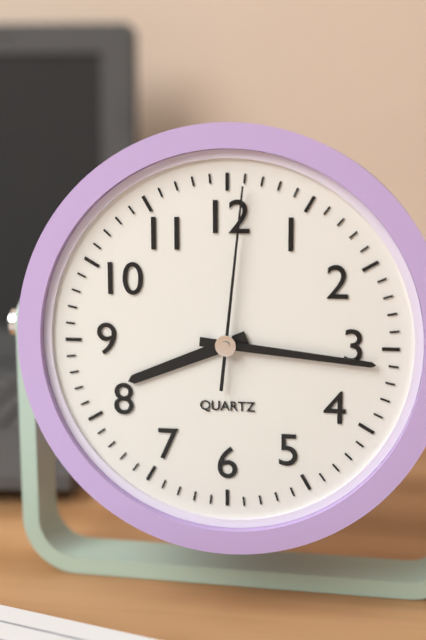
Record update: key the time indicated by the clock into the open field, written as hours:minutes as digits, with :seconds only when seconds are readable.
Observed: 8:16:01
